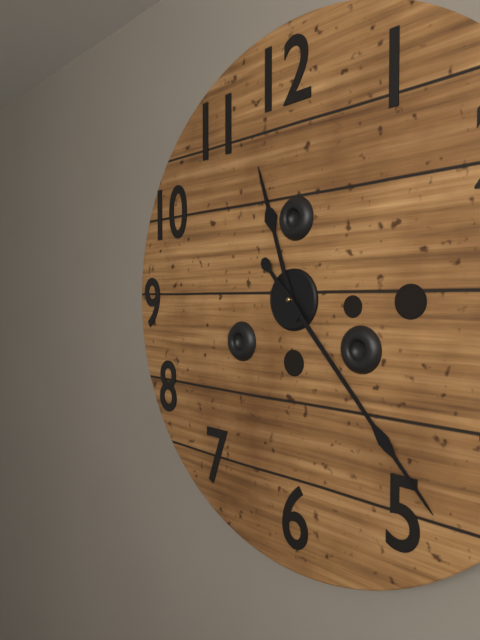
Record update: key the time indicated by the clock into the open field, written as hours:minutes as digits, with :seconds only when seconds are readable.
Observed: 11:23
